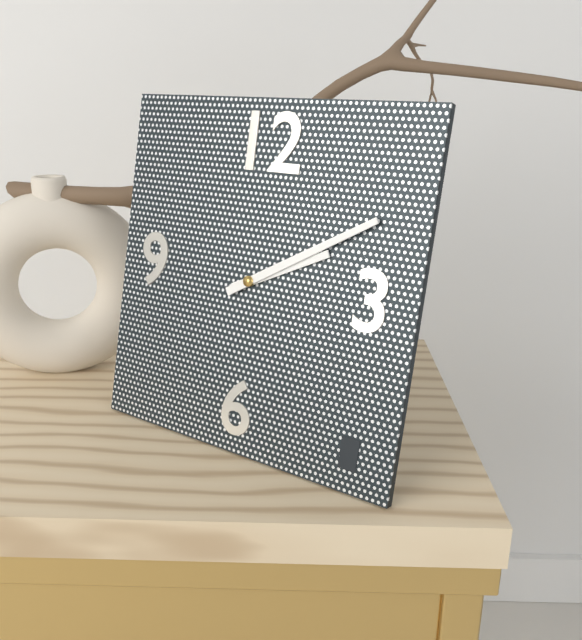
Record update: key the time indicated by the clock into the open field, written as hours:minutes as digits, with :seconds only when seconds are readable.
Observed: 2:10
